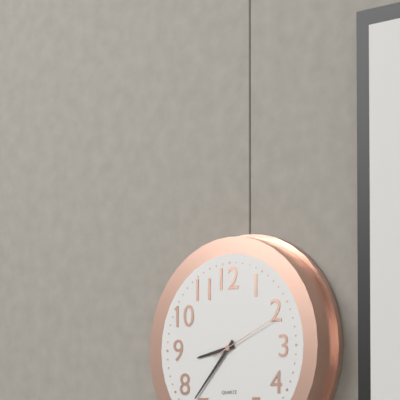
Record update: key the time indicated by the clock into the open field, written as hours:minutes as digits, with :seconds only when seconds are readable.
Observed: 8:37:11
